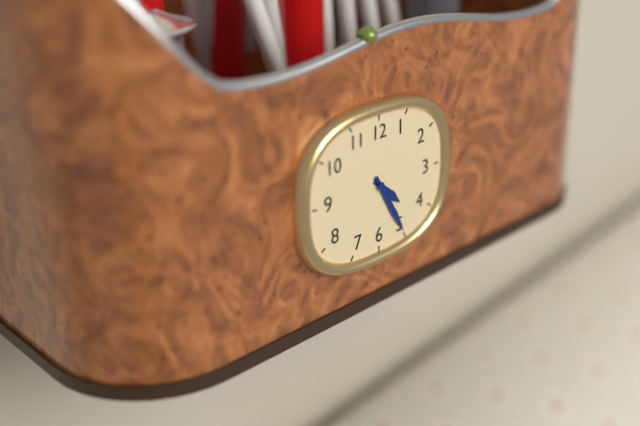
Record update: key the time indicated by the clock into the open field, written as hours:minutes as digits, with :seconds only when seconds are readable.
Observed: 4:25
